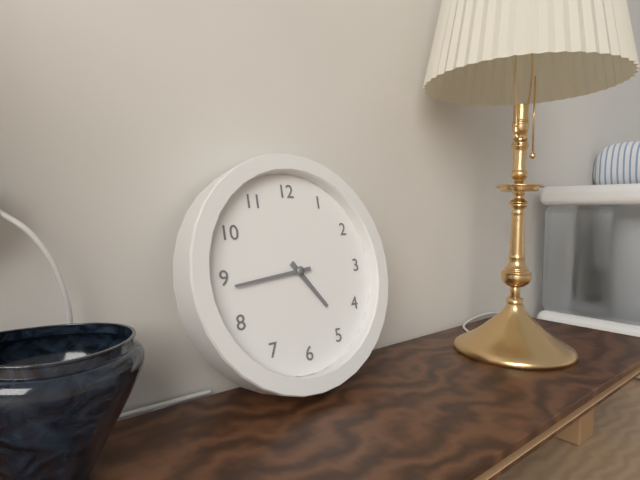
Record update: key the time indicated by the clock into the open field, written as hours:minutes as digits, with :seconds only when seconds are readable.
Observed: 4:44
